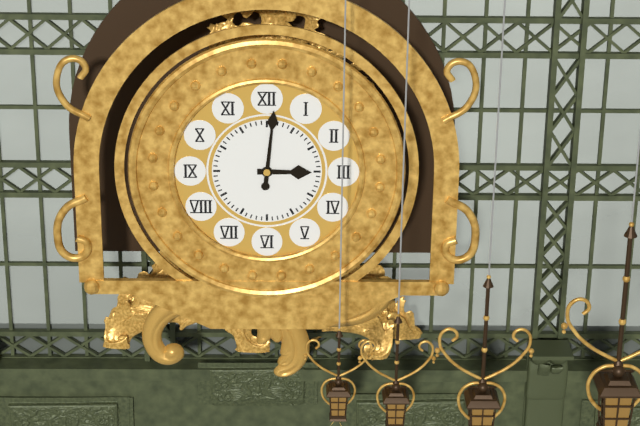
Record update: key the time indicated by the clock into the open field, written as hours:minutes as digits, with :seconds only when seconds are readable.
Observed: 3:01
